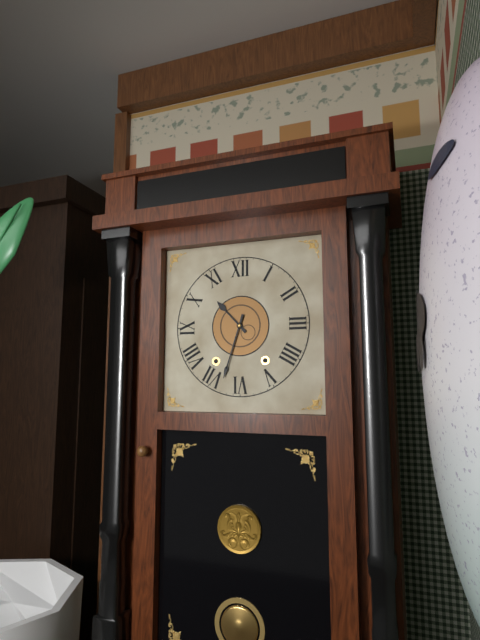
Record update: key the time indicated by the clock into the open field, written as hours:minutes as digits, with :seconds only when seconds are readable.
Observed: 10:33
